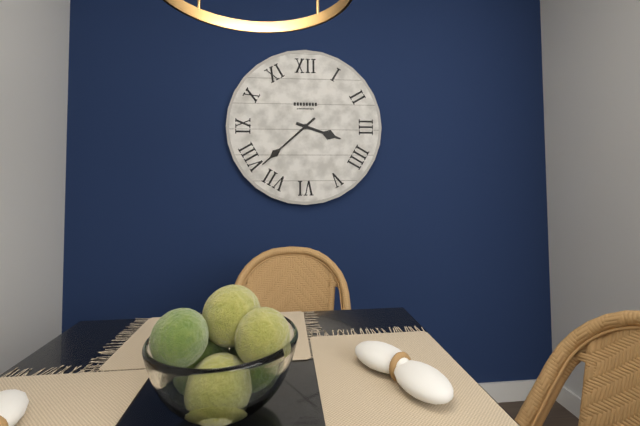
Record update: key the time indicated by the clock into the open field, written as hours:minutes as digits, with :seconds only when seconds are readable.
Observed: 3:38
